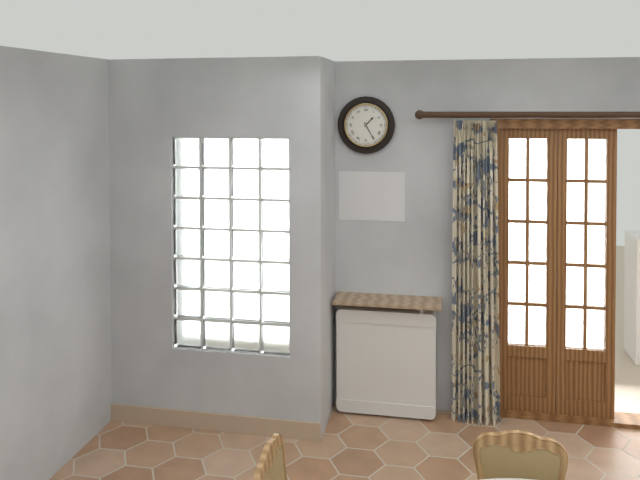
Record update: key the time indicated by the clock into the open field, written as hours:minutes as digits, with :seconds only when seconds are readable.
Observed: 1:25
